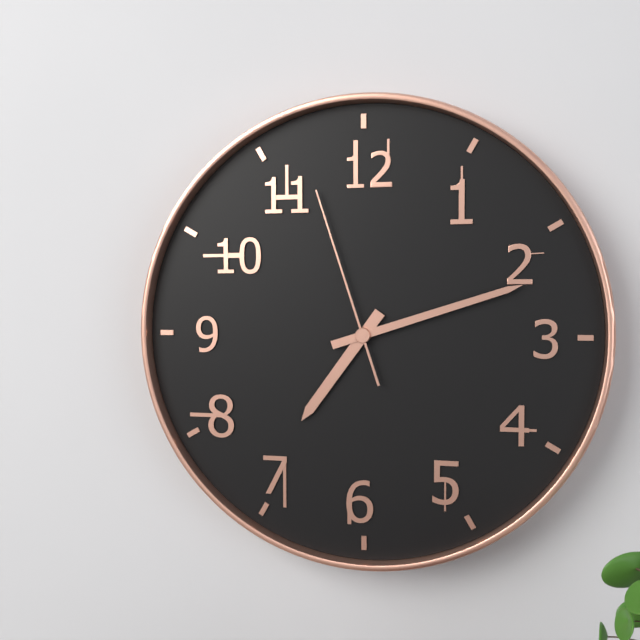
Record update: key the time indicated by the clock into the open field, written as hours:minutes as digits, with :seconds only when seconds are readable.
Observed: 7:12:57
